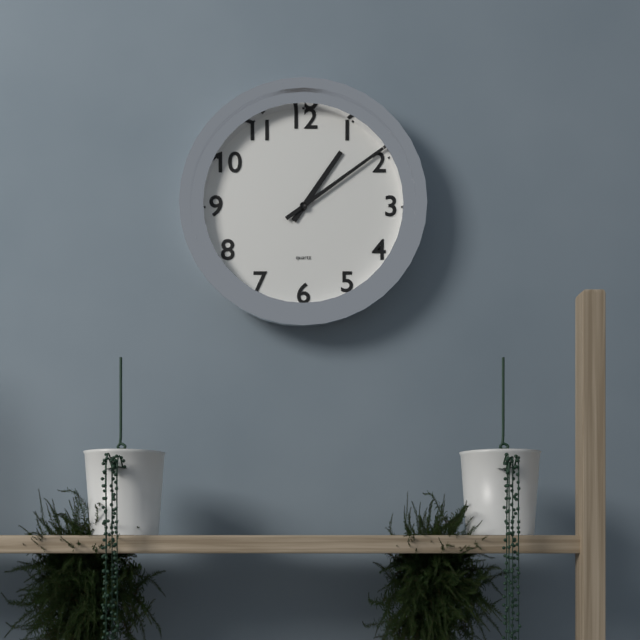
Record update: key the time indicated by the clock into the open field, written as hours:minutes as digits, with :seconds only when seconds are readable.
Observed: 1:09
